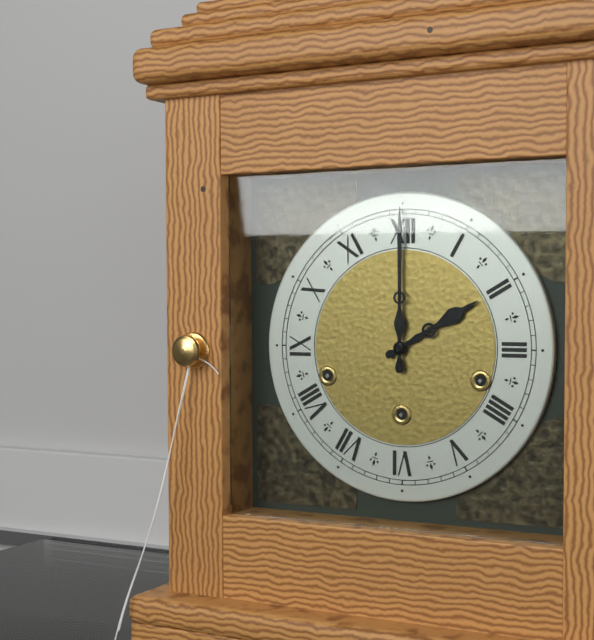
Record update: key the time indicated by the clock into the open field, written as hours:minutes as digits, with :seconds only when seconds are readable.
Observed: 2:00
